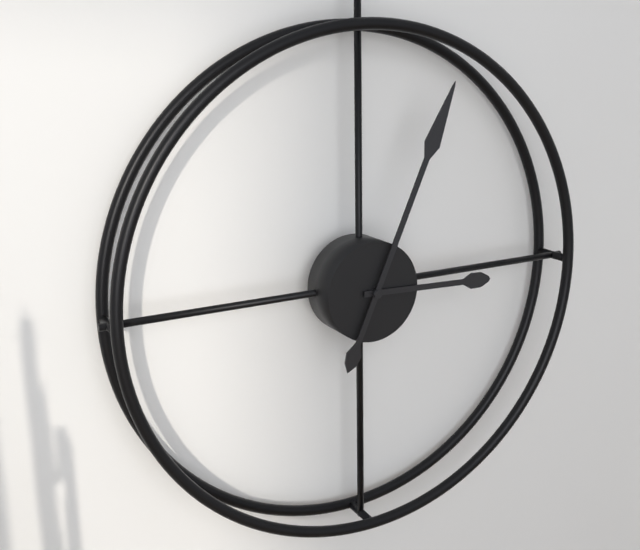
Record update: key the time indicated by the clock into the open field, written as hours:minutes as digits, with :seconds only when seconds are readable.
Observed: 3:04
